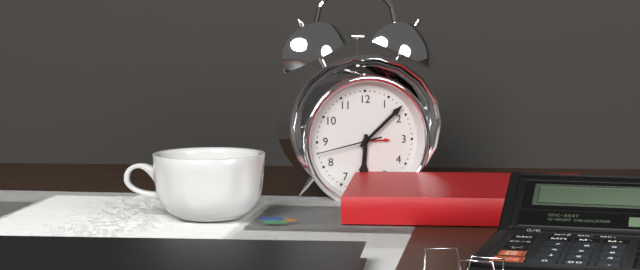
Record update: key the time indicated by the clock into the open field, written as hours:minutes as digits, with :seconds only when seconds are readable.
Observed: 6:08:43
